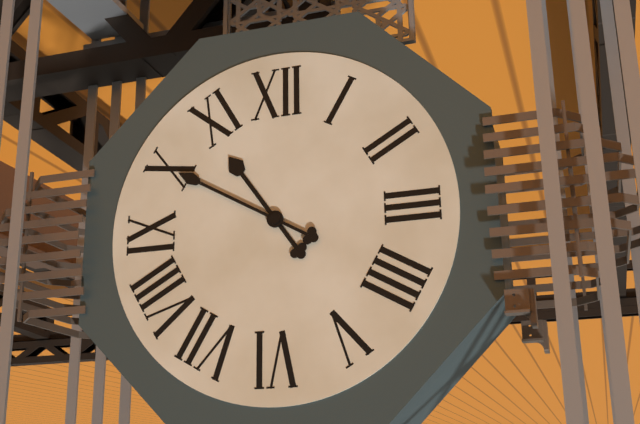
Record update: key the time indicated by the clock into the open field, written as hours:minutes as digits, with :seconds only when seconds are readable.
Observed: 10:50
